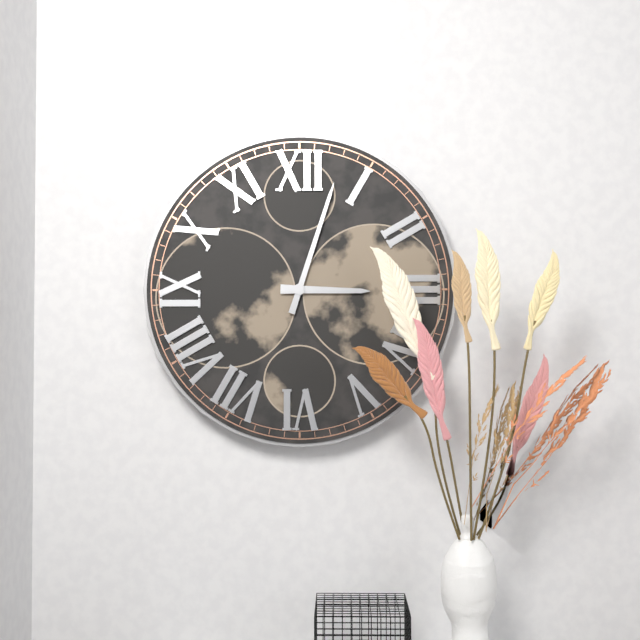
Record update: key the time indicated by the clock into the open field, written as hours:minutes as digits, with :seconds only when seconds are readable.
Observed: 3:03
